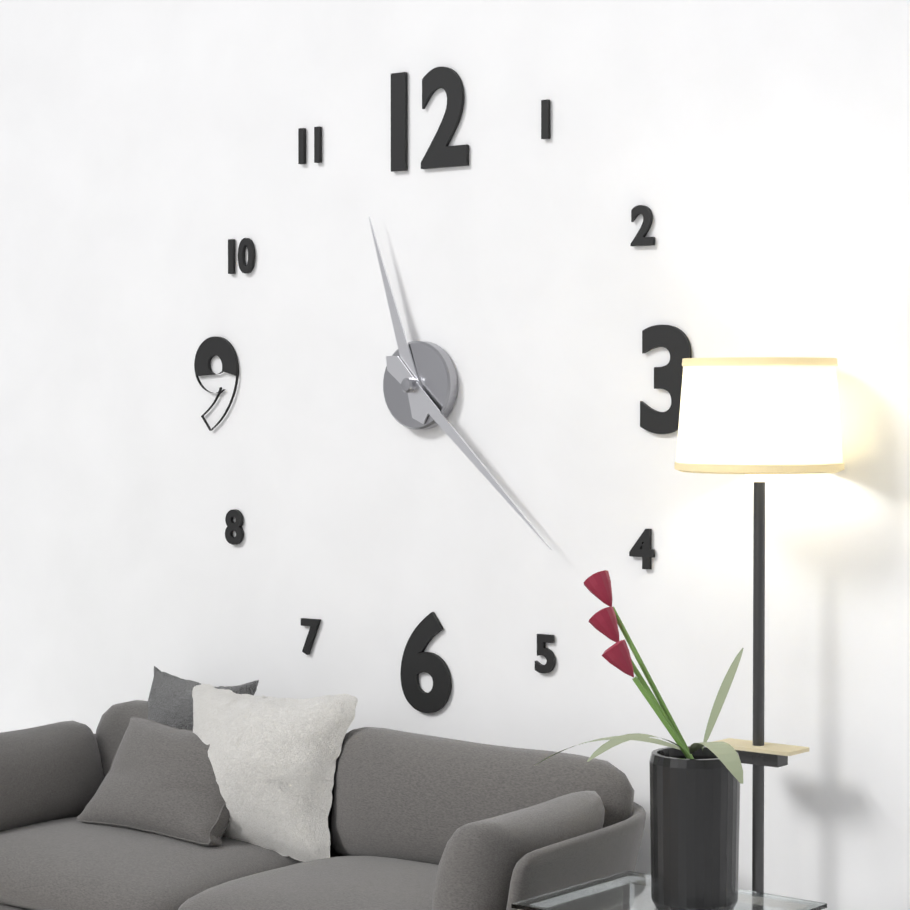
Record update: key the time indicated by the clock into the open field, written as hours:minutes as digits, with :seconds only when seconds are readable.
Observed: 11:22
